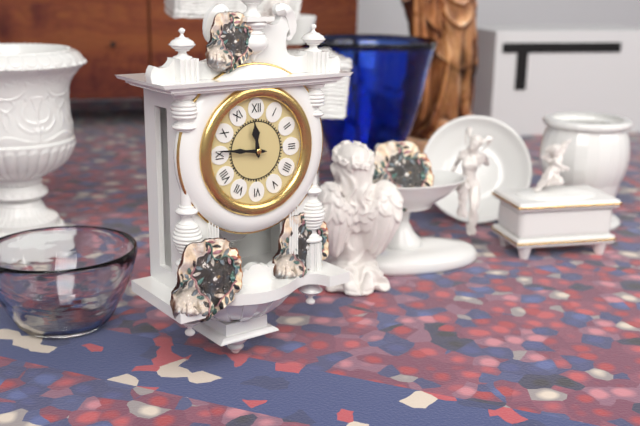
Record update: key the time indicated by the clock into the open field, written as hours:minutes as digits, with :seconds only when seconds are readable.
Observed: 11:46
